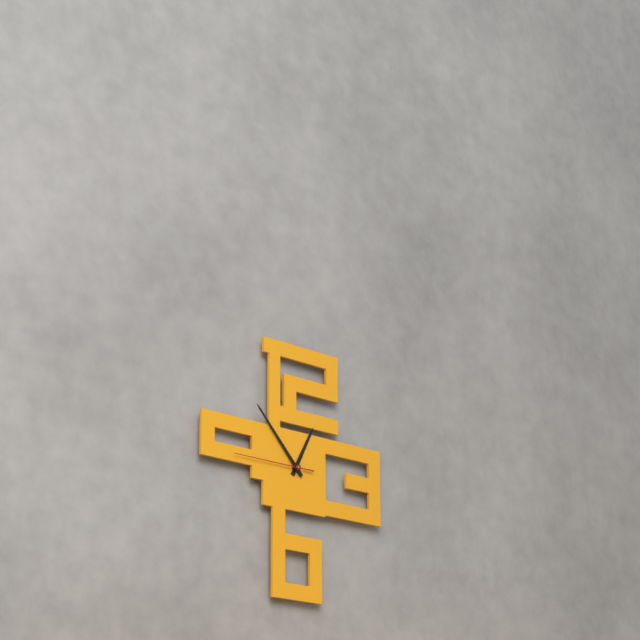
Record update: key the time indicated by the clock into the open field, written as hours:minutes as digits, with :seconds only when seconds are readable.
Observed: 12:53:45
